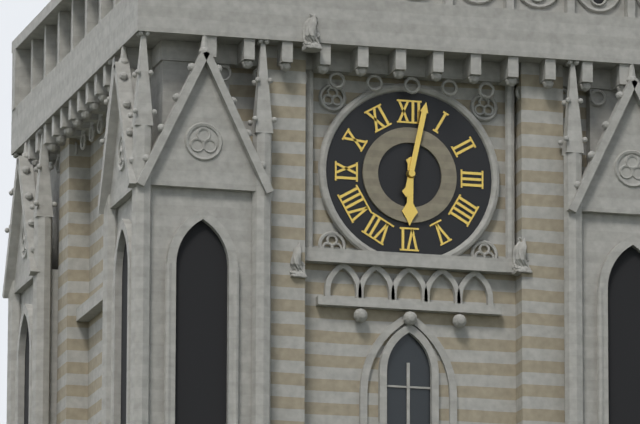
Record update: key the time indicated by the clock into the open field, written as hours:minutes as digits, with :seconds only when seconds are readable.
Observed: 6:02
